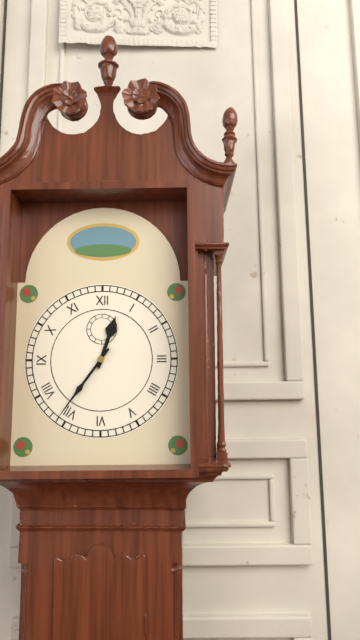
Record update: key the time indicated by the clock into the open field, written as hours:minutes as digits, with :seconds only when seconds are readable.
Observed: 12:36
